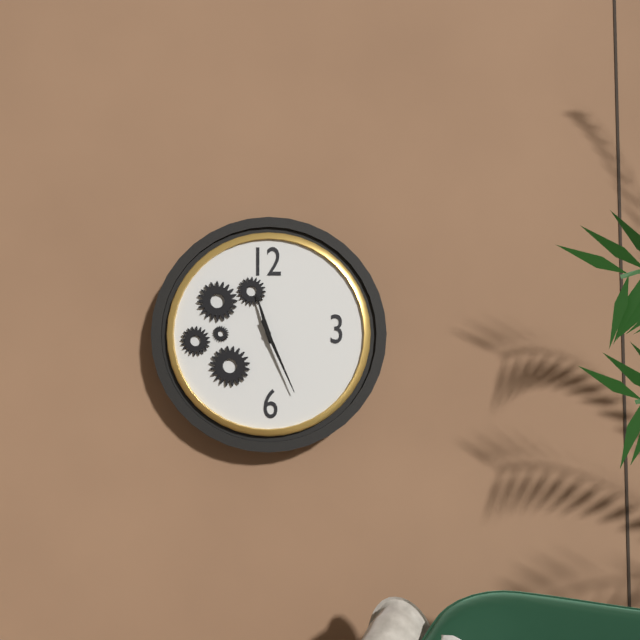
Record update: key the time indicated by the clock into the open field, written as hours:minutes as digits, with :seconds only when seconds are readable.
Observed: 11:26
